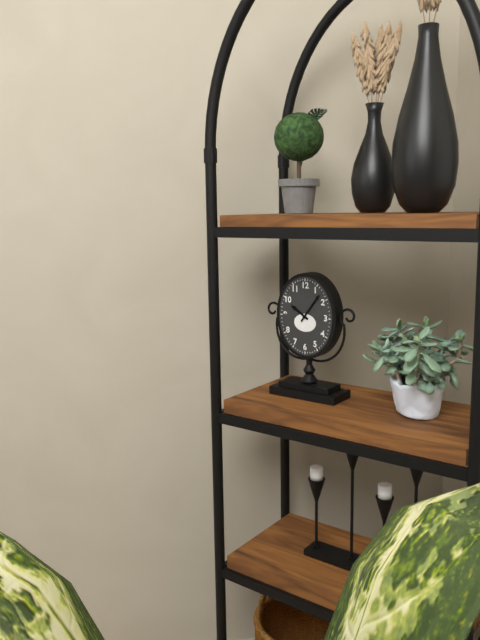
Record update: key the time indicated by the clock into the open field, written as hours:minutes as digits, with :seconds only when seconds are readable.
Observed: 10:06
